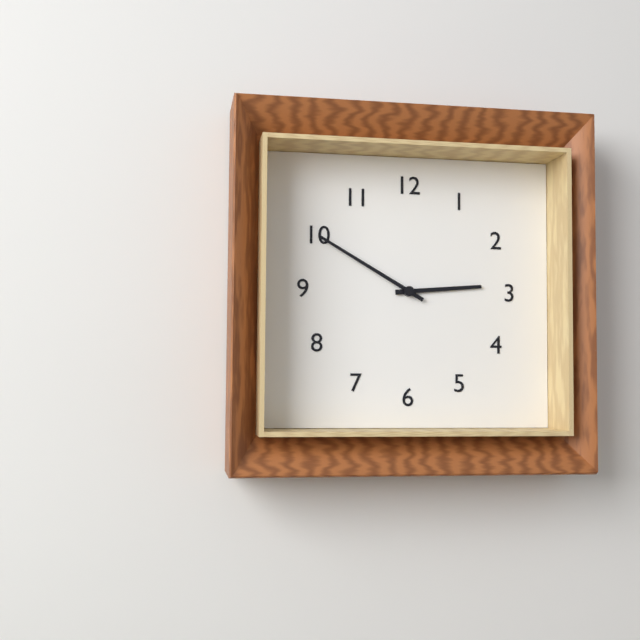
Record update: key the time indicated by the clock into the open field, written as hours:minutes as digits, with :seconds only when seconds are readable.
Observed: 2:50
